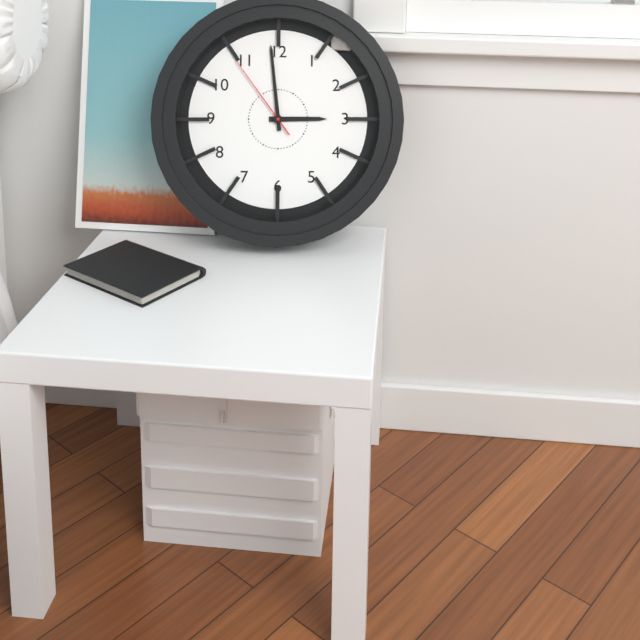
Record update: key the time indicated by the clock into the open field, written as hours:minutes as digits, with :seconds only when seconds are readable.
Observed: 2:59:54
